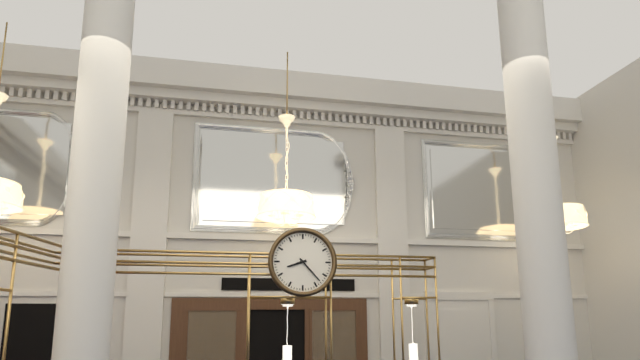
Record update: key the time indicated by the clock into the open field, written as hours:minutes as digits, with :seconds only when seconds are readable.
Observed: 8:23
